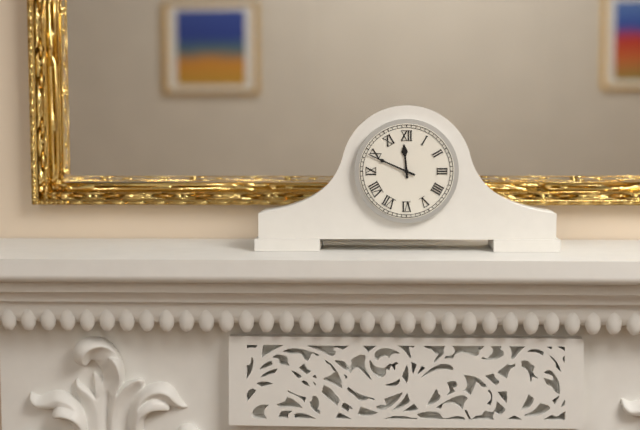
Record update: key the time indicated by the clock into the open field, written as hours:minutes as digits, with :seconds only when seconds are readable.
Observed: 11:49
